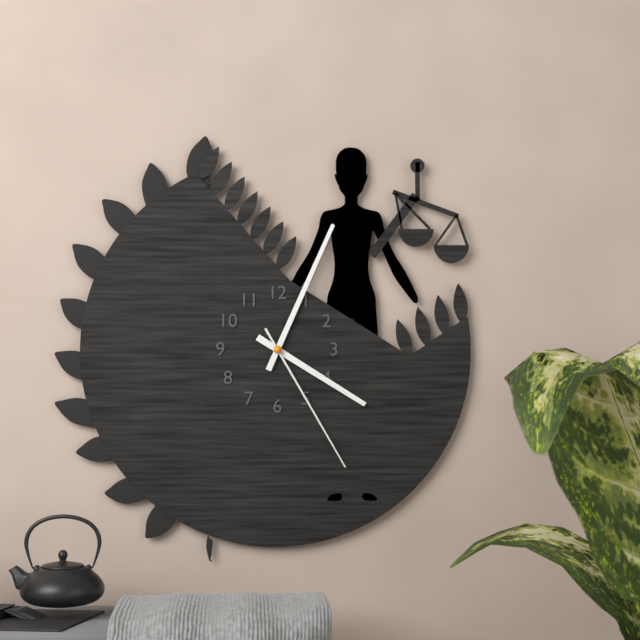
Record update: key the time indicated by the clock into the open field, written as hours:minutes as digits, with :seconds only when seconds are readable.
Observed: 4:04:25
